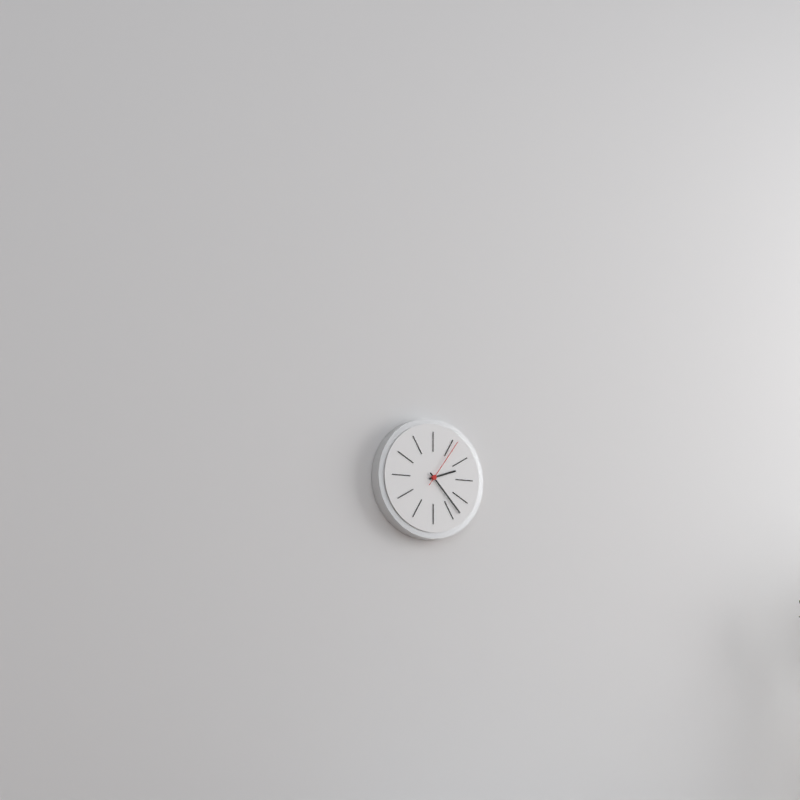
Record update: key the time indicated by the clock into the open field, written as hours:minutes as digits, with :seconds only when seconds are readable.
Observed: 2:23:06
